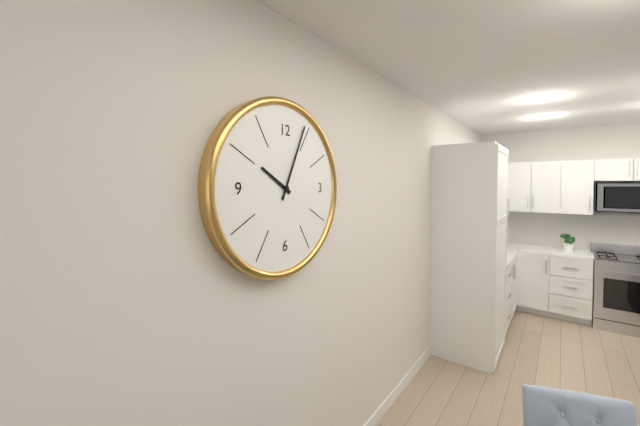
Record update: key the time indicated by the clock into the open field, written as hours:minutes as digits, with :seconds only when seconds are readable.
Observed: 10:04
